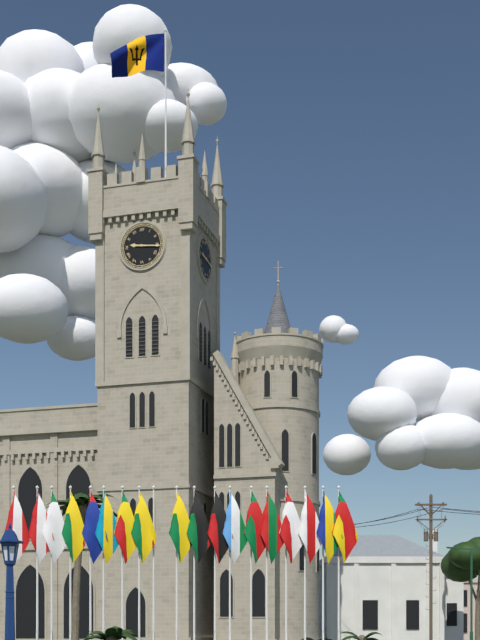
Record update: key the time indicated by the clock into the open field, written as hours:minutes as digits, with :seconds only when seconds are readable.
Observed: 9:16
